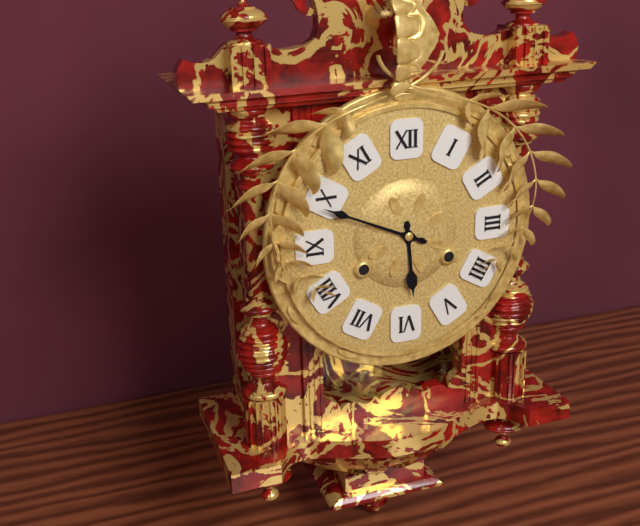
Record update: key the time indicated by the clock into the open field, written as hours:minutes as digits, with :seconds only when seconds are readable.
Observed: 5:49
